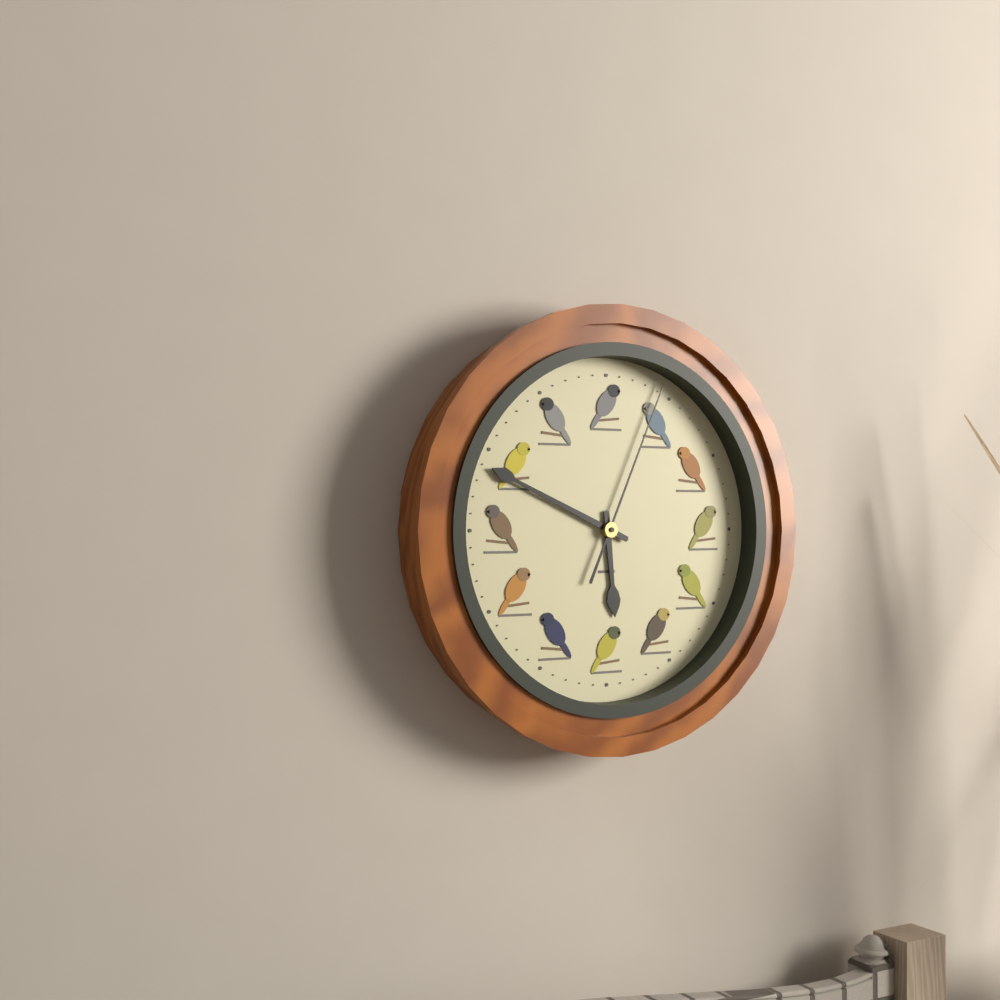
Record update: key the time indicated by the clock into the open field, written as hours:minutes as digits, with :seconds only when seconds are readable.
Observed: 5:49:04
